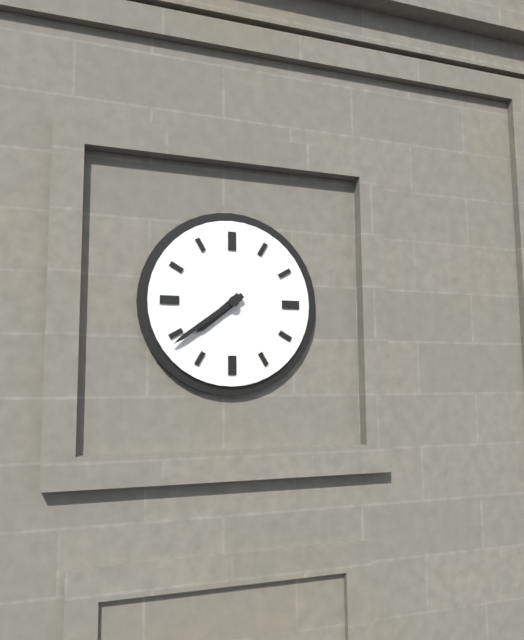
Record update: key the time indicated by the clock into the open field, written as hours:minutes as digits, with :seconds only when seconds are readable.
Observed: 7:39
